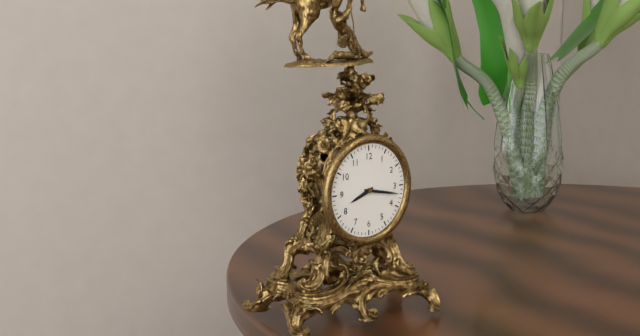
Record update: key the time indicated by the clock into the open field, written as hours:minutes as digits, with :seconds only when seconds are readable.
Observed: 8:17
